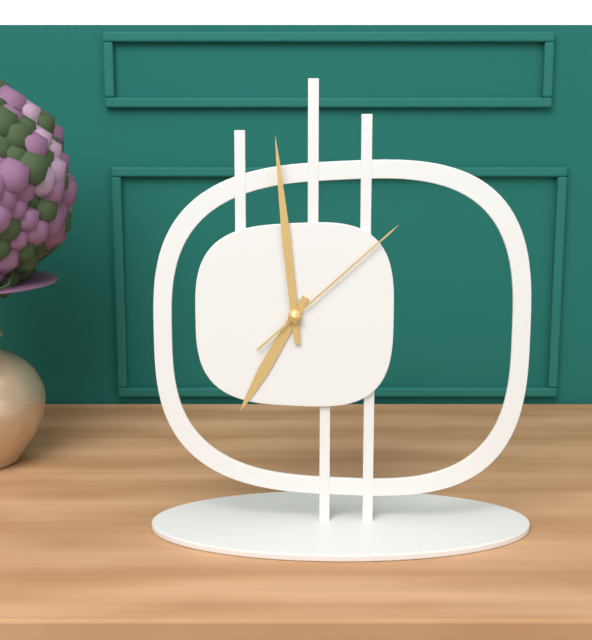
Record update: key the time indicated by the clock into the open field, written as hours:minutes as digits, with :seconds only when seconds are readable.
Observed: 6:59:08
